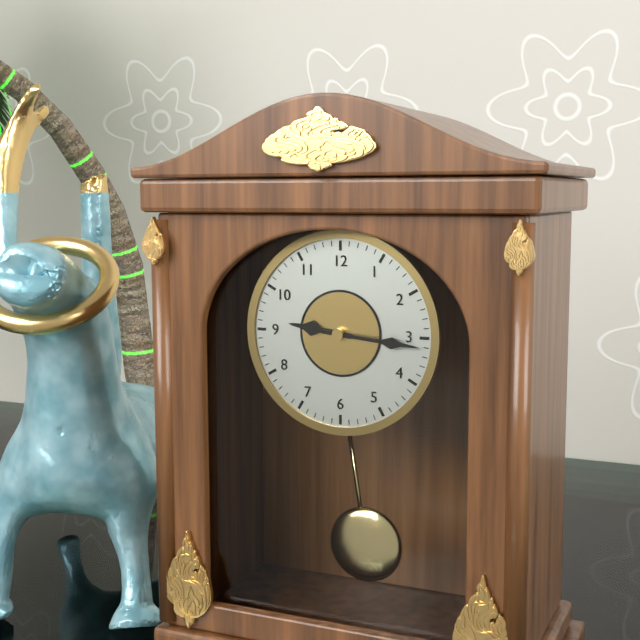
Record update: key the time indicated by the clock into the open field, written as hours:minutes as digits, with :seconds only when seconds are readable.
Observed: 9:16
